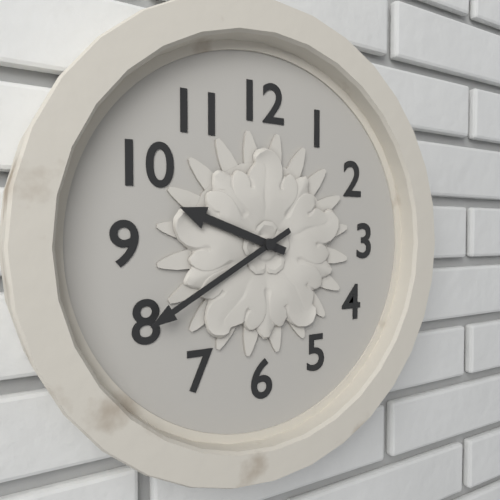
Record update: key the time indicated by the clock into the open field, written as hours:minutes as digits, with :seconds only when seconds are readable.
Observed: 9:40
